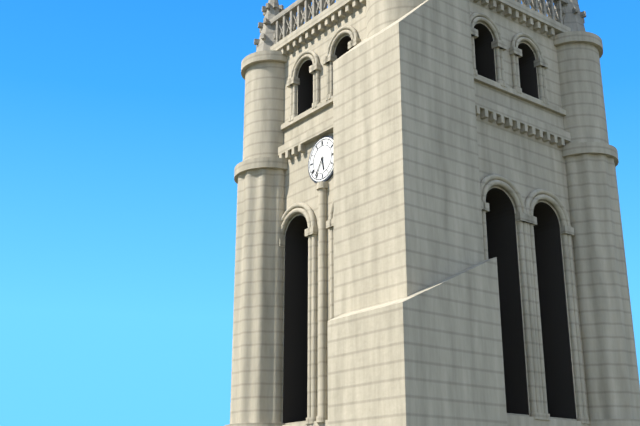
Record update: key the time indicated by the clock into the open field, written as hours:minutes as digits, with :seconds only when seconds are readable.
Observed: 5:36
